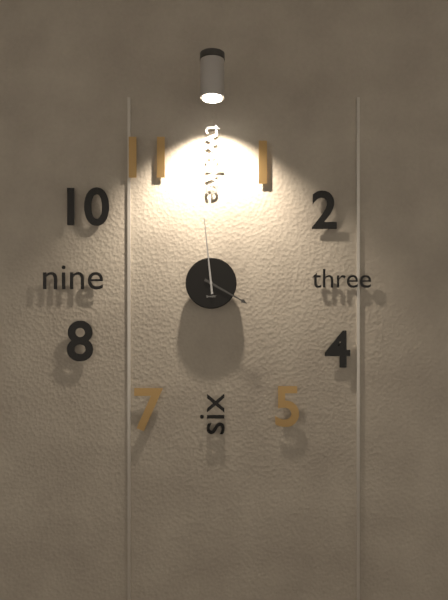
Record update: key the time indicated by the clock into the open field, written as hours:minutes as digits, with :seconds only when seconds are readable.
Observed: 3:59
